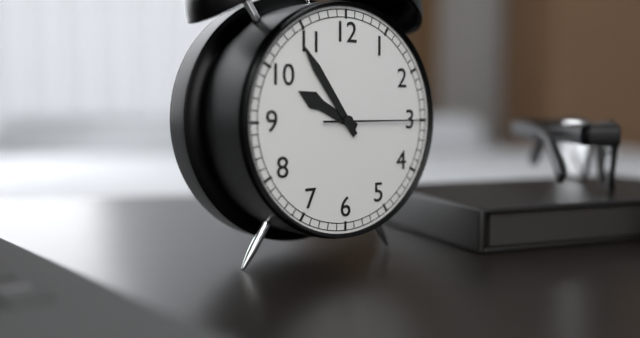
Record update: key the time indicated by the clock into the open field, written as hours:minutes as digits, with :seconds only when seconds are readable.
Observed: 9:54:15
